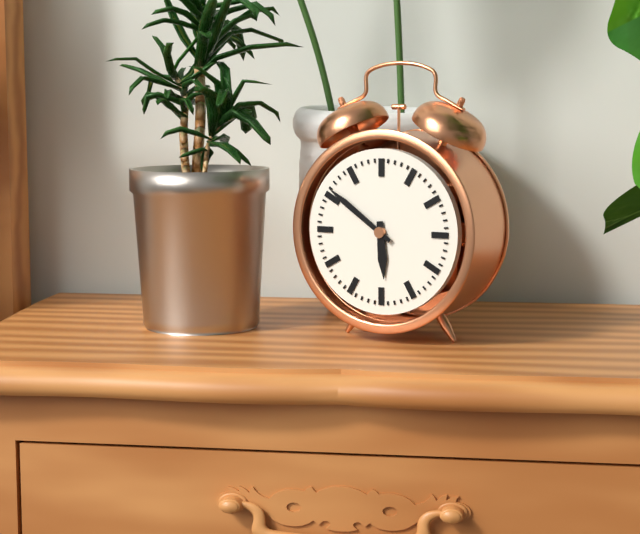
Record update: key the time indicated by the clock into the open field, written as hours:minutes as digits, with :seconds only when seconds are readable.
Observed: 5:51
